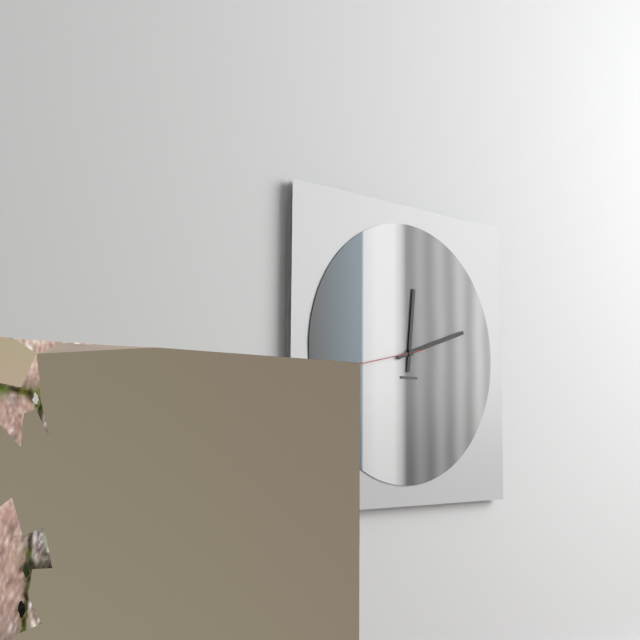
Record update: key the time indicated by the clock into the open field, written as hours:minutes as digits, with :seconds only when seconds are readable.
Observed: 12:12:43
